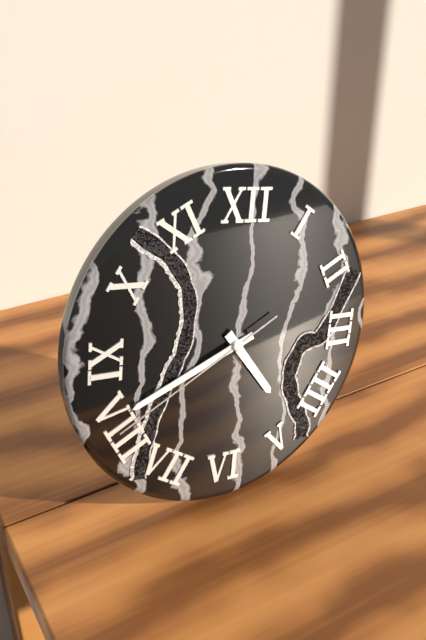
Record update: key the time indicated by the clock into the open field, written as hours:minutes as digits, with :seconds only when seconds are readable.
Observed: 4:41:40
